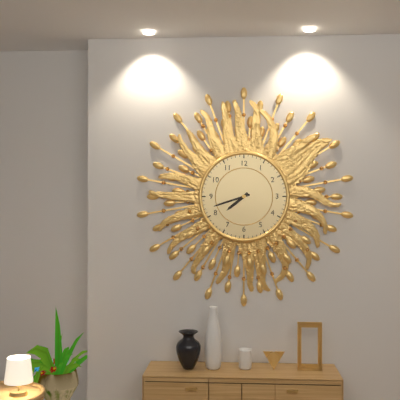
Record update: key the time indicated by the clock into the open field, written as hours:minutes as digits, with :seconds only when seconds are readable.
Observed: 7:42
